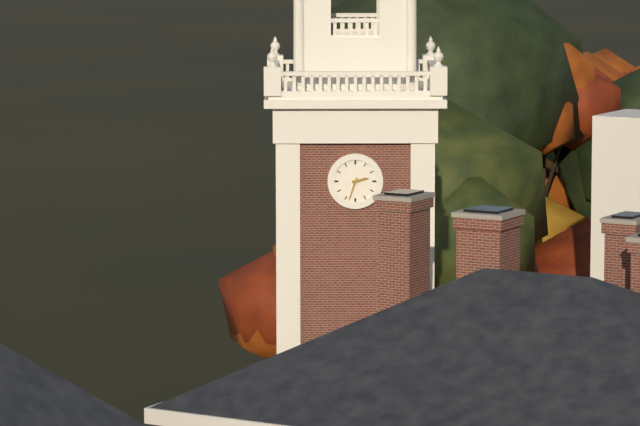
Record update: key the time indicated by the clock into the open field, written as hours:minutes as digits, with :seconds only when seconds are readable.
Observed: 2:33
